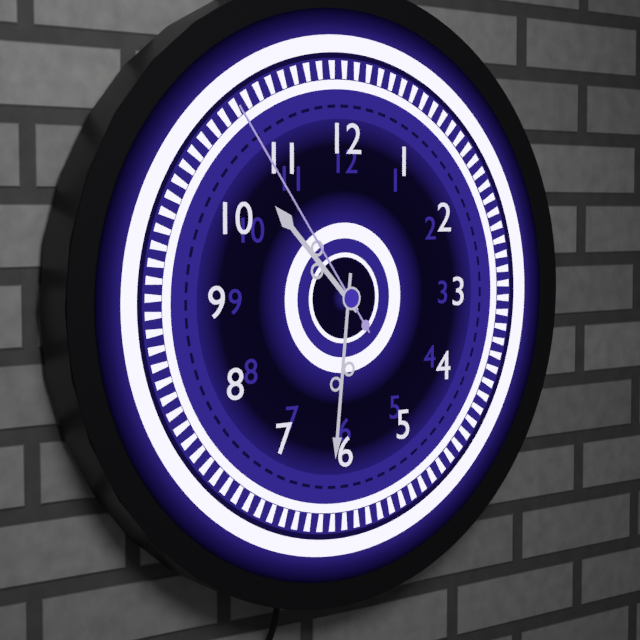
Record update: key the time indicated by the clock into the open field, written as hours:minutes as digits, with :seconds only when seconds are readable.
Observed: 10:31:54
